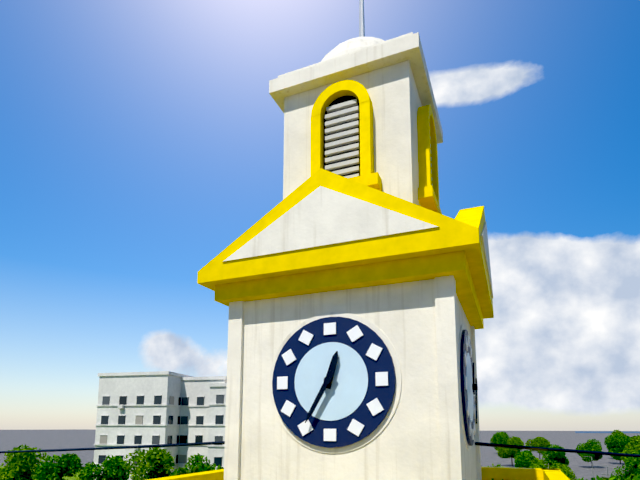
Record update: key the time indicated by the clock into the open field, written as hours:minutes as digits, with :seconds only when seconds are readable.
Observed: 12:35
